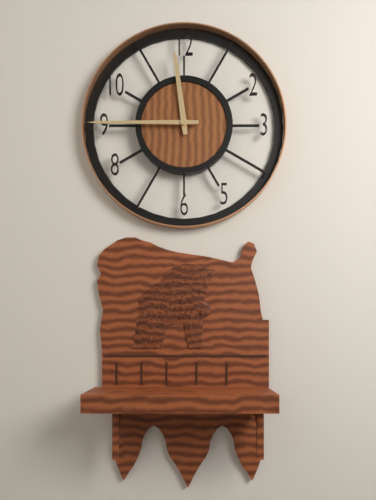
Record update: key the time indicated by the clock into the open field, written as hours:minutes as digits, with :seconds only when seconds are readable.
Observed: 11:45
